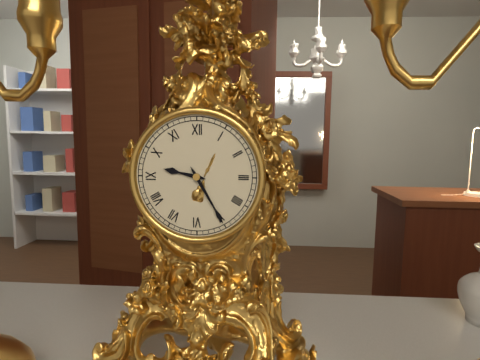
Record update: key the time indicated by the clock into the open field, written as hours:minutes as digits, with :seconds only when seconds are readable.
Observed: 9:25
